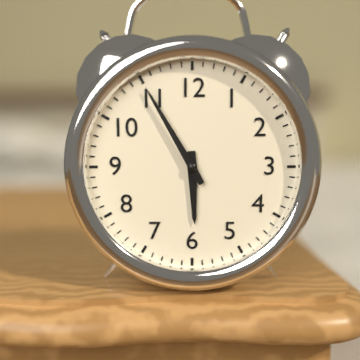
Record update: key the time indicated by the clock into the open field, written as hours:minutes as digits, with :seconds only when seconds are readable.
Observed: 5:55
